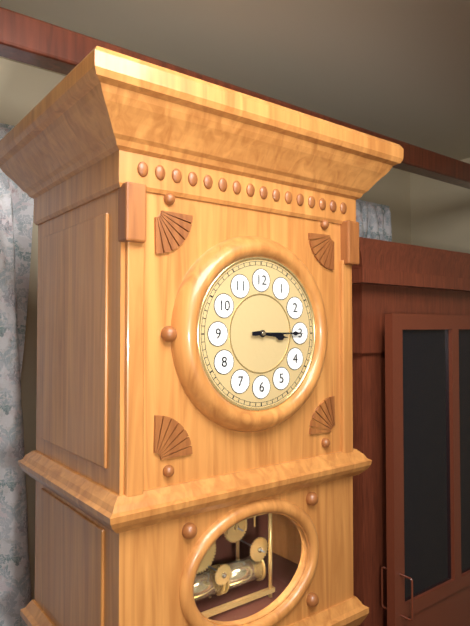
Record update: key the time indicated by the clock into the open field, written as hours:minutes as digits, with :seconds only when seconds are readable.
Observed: 3:15
